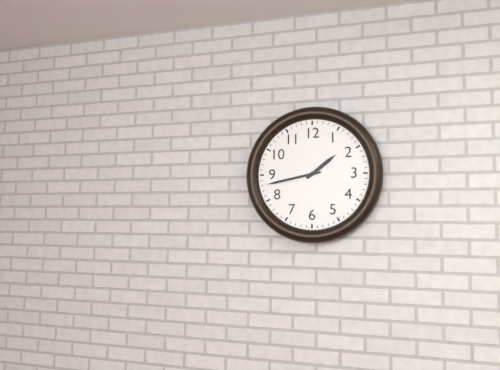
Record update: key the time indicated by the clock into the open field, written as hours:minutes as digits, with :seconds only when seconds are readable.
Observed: 1:43
